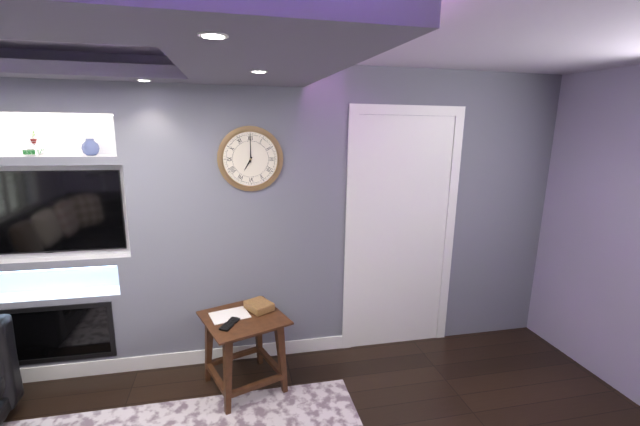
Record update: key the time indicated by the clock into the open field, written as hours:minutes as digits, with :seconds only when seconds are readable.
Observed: 7:00
